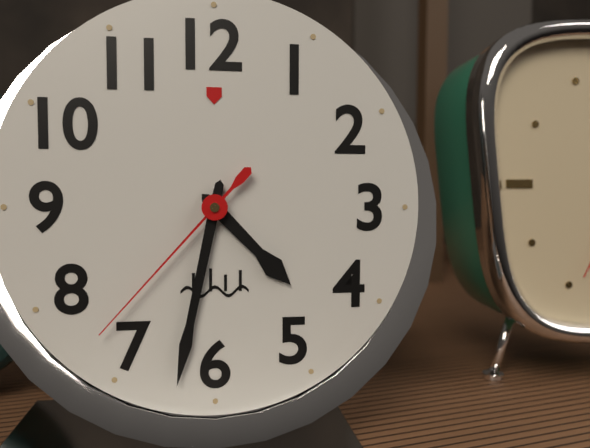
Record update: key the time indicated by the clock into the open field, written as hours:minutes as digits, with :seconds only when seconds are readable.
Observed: 4:32:37
